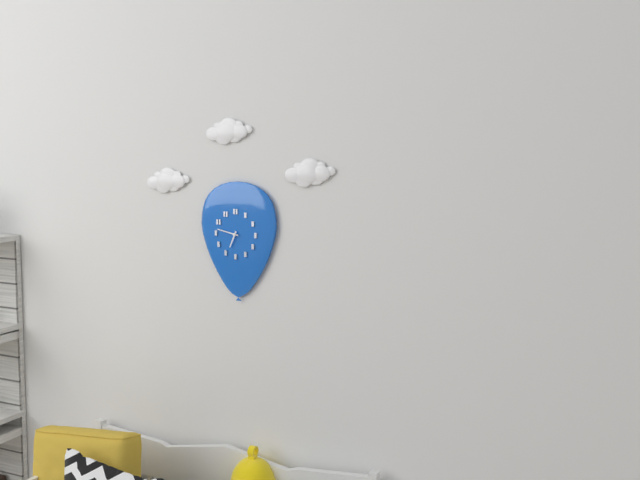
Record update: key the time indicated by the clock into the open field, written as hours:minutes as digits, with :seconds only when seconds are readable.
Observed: 6:47
